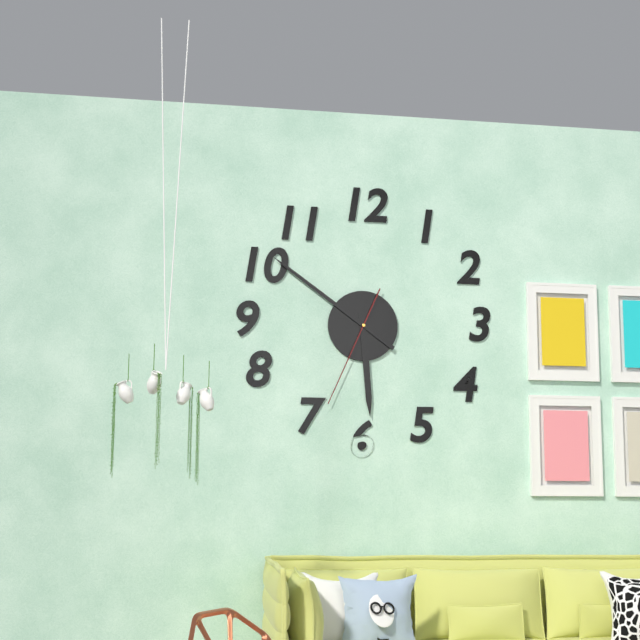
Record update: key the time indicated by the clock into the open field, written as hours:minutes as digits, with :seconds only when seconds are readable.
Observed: 5:51:34
